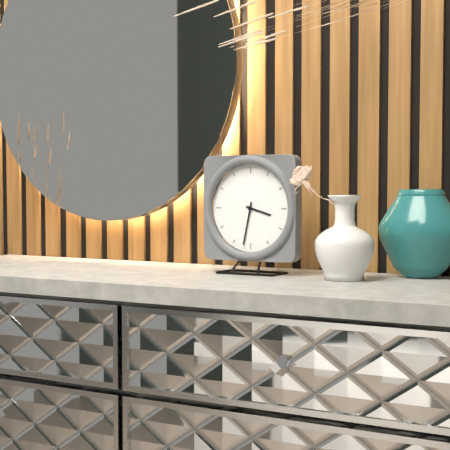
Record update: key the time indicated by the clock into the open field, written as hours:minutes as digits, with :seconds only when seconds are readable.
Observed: 3:32
